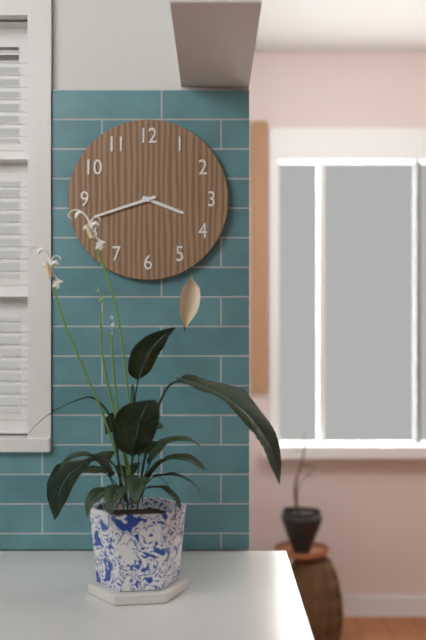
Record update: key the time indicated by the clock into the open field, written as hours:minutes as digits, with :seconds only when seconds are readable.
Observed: 3:42
